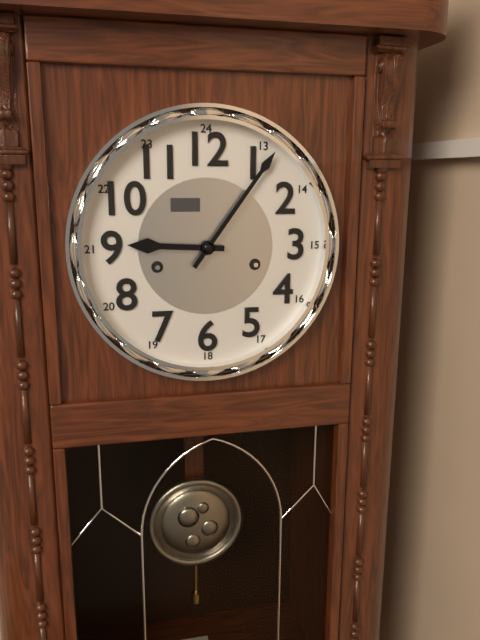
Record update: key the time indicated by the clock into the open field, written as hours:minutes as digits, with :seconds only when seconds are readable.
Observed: 9:06
